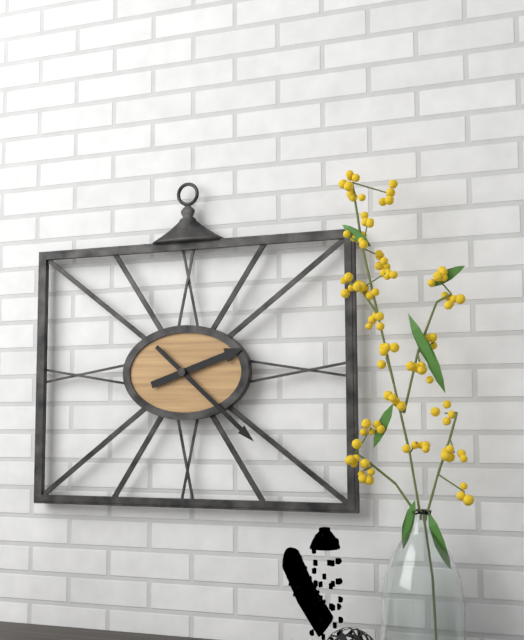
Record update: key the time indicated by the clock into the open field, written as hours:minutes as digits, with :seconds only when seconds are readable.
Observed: 2:22
